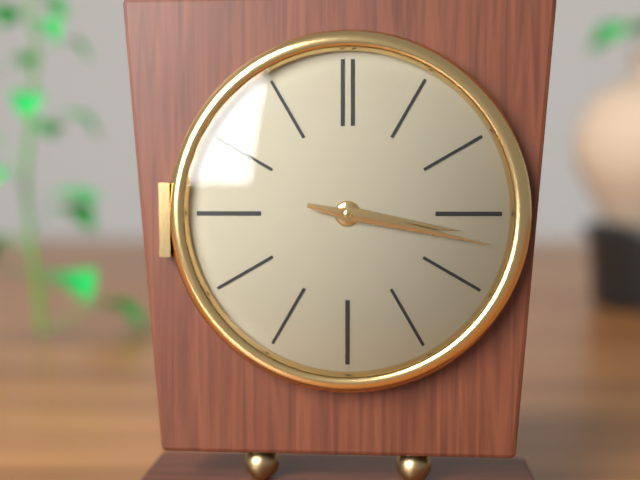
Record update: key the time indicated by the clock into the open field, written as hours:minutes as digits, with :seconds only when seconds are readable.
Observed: 3:17
